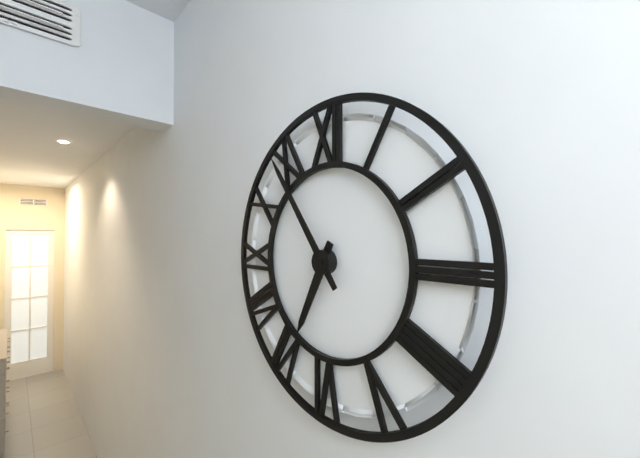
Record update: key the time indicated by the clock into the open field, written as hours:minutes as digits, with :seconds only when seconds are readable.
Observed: 6:54
